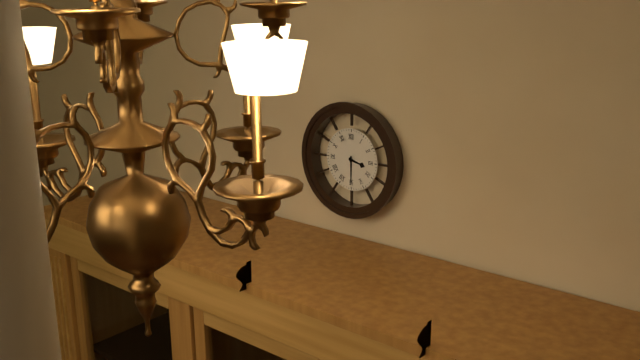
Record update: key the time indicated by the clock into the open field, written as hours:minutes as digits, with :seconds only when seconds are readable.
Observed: 3:30
